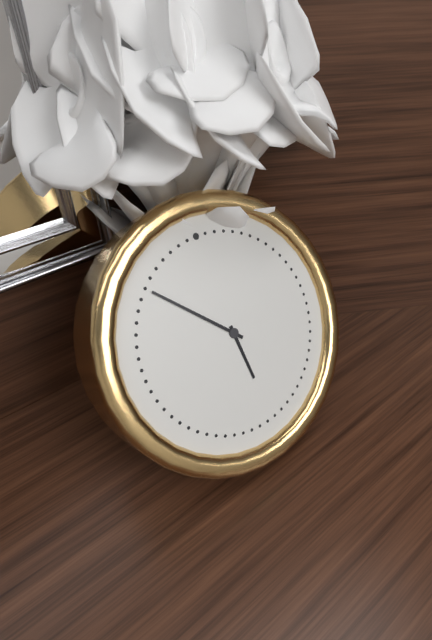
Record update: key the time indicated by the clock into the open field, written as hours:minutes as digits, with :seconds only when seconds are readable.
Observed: 5:53
